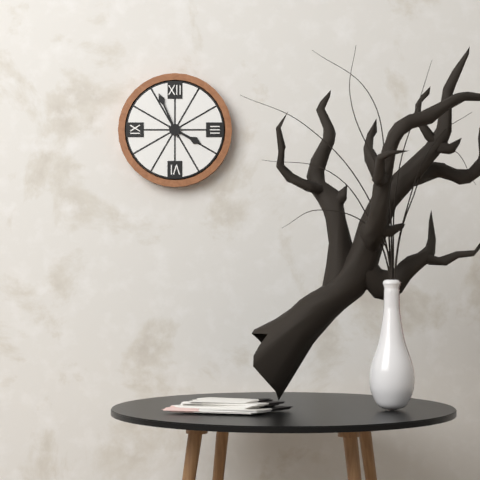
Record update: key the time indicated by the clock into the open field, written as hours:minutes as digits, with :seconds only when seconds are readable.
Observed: 3:56
